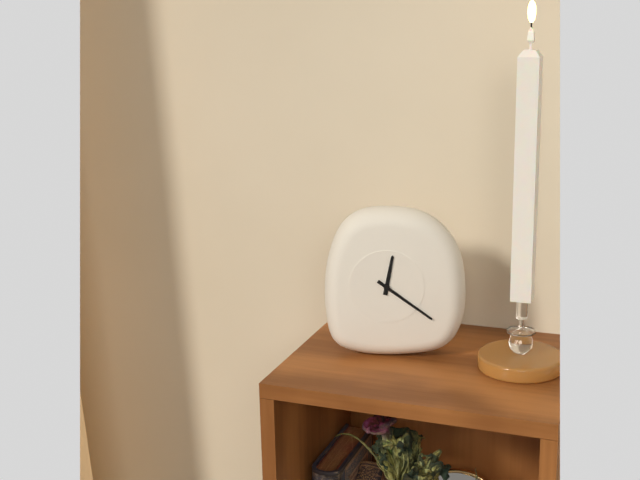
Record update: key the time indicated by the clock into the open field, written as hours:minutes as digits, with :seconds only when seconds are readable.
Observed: 12:21
